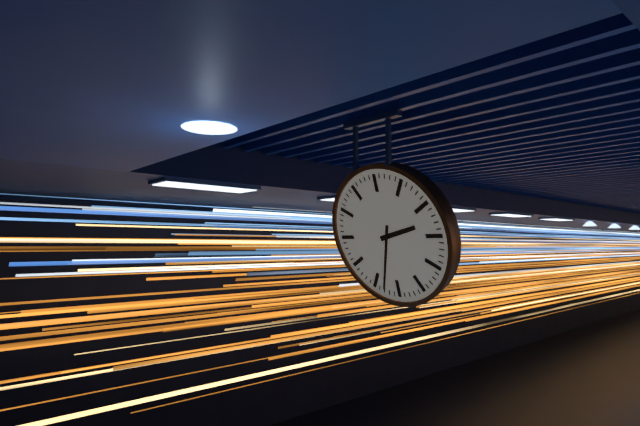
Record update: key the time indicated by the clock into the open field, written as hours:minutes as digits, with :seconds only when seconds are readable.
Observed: 2:33
